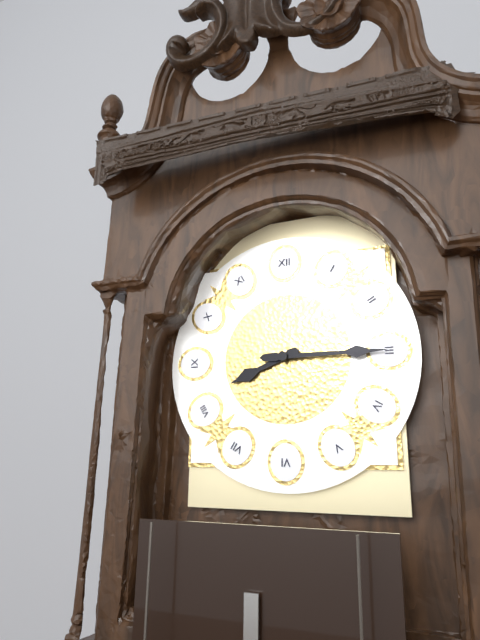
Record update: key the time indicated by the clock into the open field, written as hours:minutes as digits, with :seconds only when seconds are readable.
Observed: 8:15
